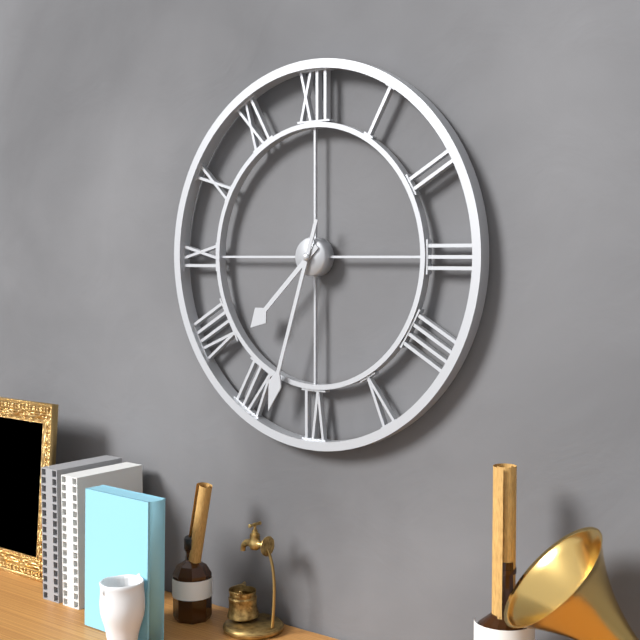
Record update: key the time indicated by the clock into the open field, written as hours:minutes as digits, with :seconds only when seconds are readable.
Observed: 7:33
